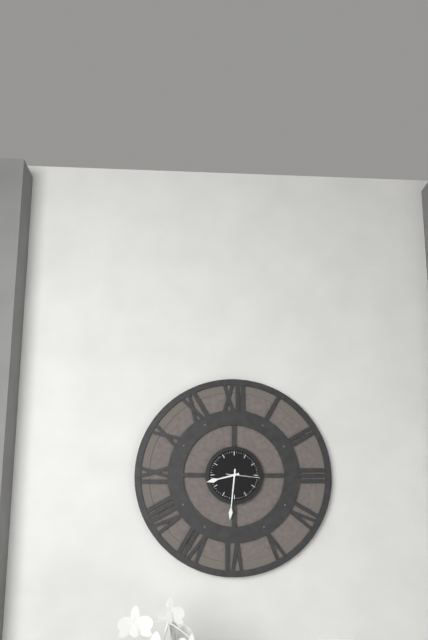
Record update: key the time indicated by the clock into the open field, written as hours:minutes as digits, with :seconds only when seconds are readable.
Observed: 8:31
